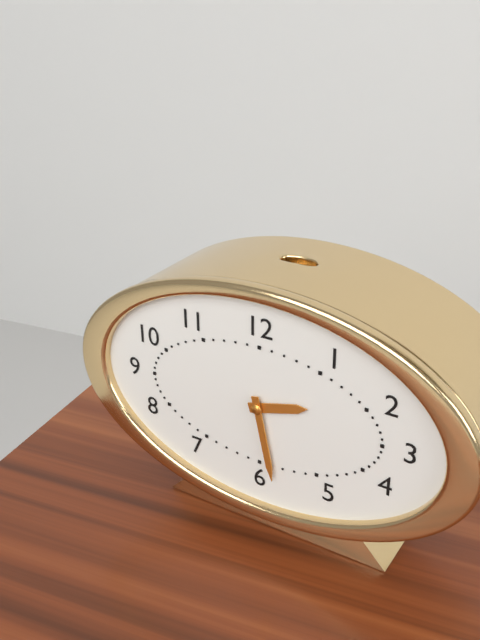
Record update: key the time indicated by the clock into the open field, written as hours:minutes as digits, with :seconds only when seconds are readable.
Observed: 2:28
